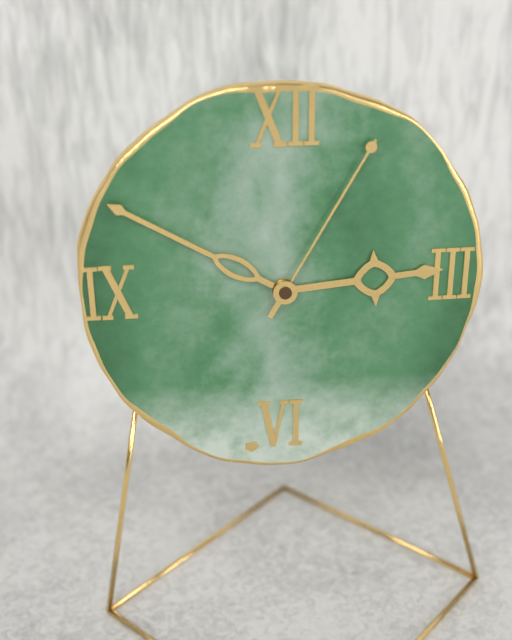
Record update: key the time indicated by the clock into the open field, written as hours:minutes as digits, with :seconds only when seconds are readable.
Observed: 2:50:05
